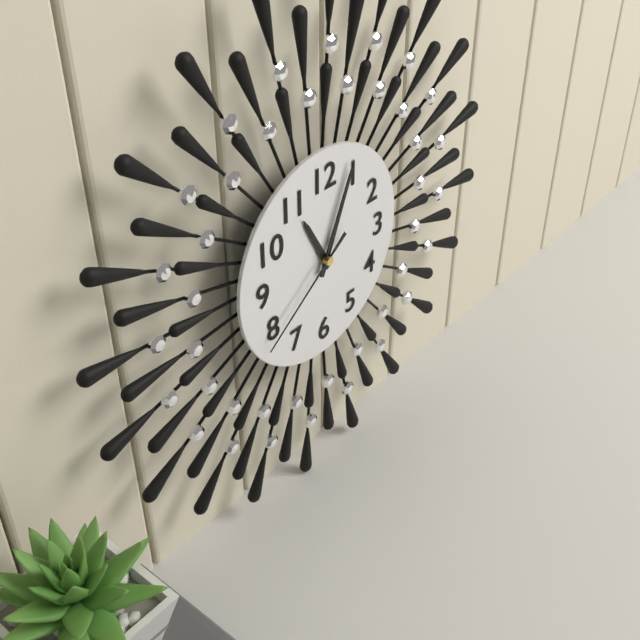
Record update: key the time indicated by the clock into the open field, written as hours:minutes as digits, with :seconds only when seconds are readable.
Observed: 11:04:39
